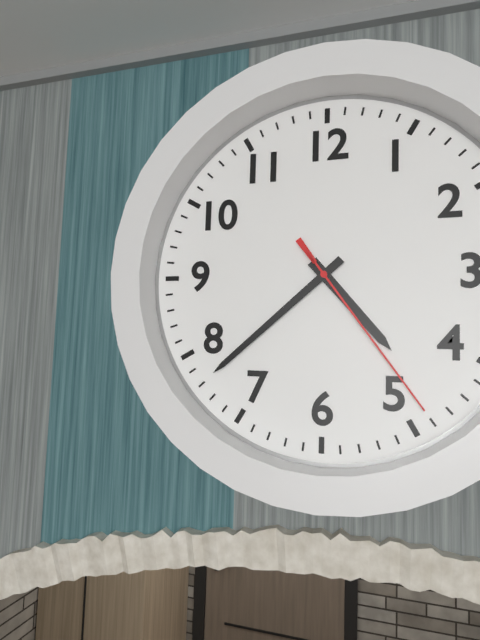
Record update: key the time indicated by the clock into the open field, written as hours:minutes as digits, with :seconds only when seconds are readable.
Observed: 4:38:24
